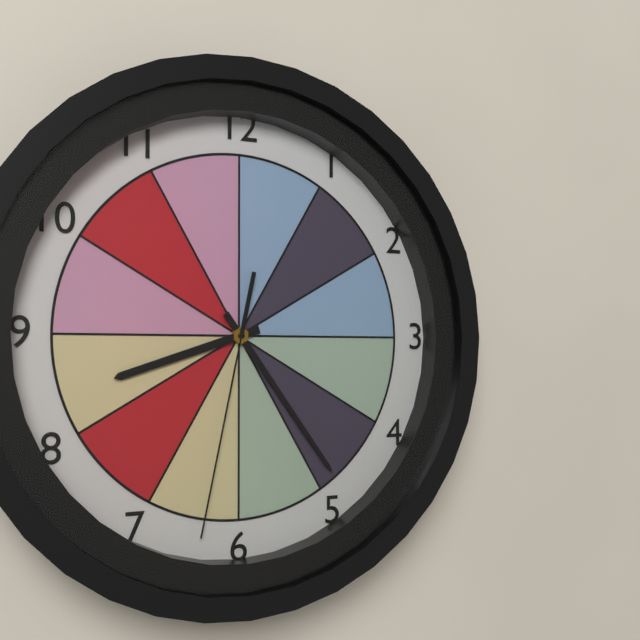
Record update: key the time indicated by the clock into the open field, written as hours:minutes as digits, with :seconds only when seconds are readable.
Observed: 8:24:32
